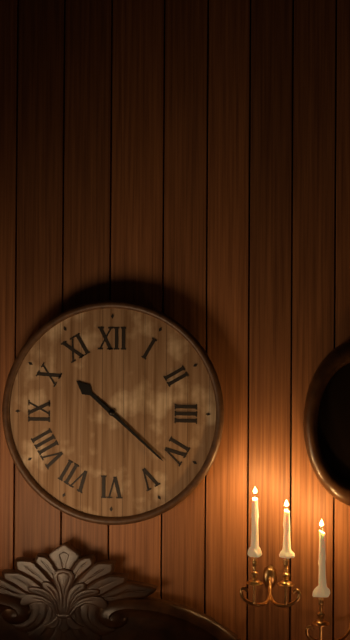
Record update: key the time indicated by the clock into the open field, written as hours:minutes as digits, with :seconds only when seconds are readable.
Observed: 10:22
